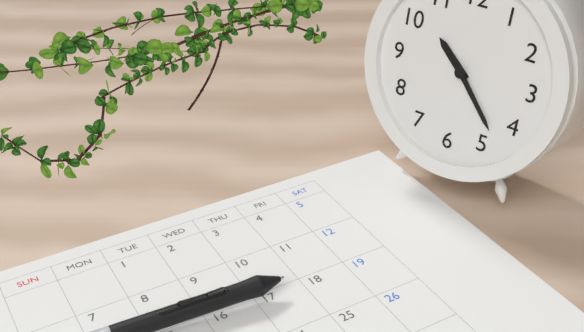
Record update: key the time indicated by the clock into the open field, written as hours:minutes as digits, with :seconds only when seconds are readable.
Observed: 10:23
